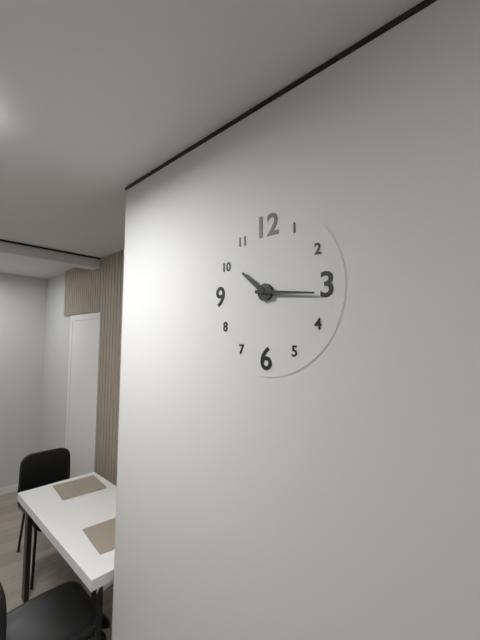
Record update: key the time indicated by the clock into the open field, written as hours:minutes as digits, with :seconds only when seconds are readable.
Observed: 10:16
